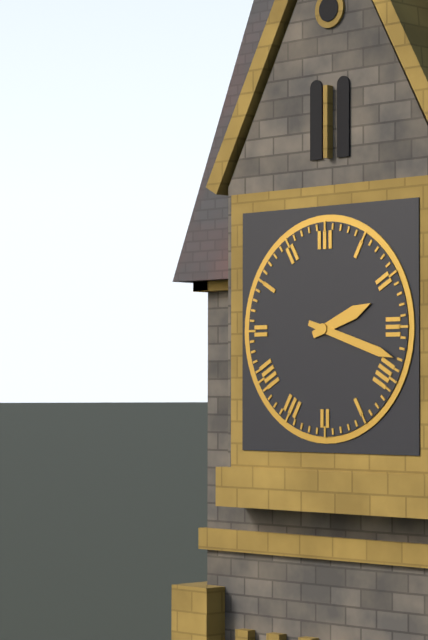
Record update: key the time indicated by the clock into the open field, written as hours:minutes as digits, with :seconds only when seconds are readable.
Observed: 2:18
